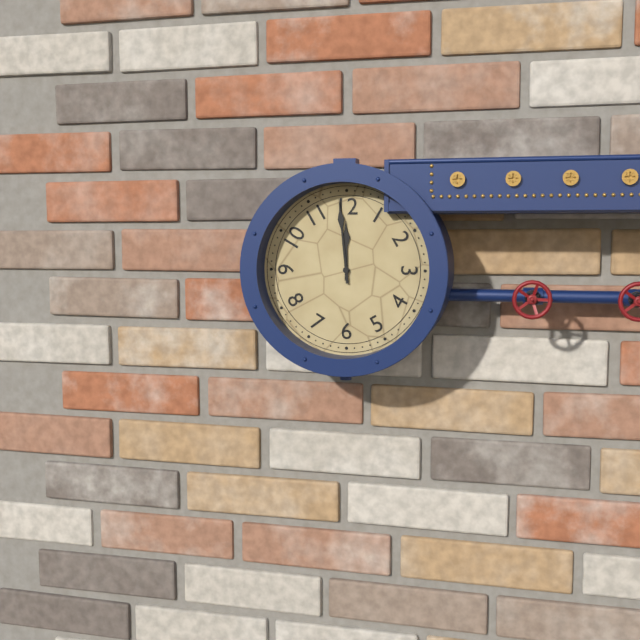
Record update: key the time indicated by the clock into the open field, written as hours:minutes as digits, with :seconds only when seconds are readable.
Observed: 11:59
